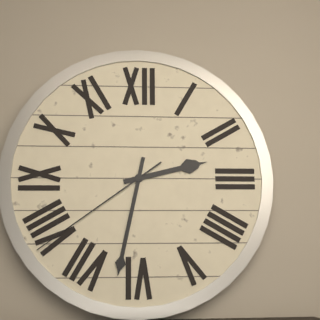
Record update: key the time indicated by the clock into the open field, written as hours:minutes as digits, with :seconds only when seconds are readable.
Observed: 2:32:39
